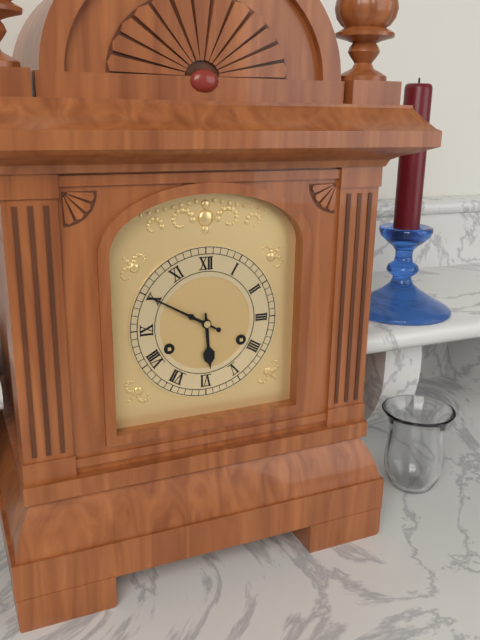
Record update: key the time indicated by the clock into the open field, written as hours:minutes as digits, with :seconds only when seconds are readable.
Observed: 5:50
